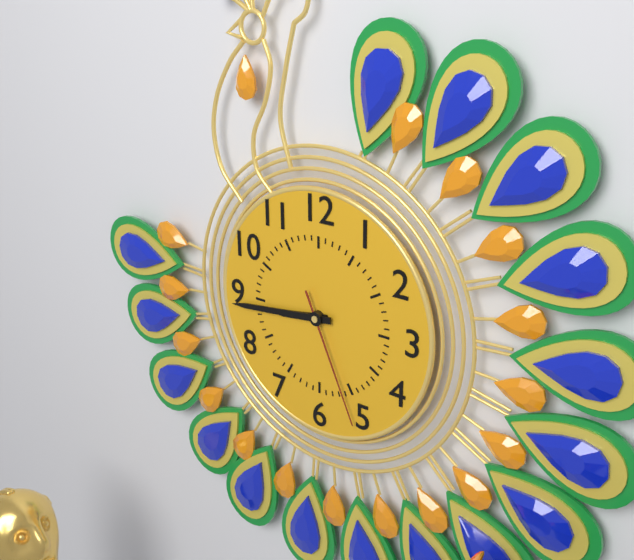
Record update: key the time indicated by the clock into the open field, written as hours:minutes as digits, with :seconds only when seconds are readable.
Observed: 8:44:26
